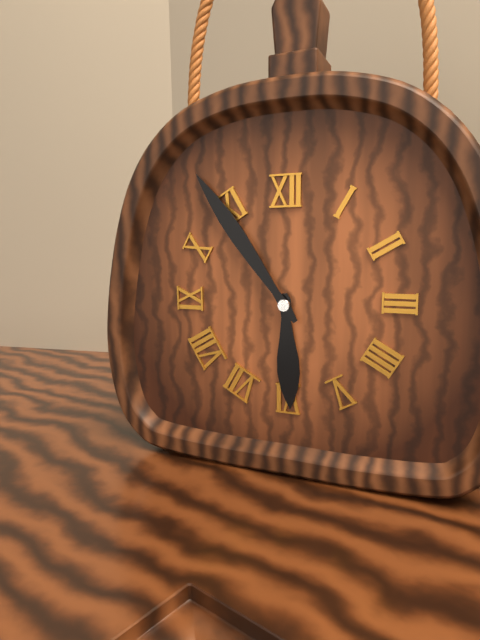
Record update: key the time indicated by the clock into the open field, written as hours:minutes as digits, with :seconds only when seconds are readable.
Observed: 5:54
